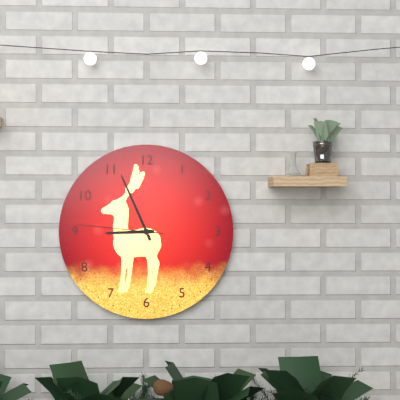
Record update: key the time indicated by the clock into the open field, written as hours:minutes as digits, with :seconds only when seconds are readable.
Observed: 8:56:46
